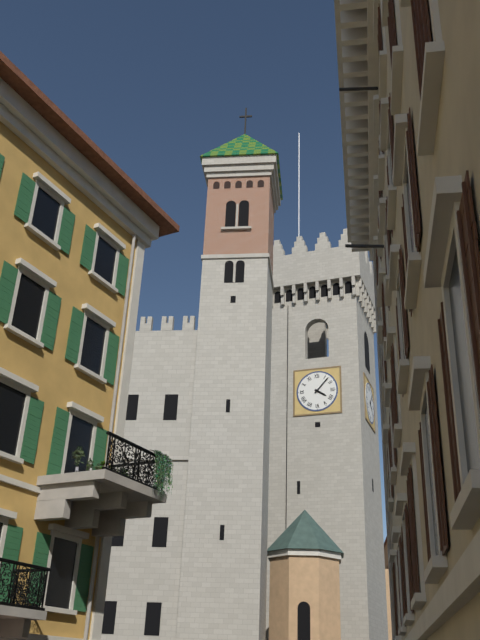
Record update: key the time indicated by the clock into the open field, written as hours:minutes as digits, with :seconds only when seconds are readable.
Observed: 4:07
